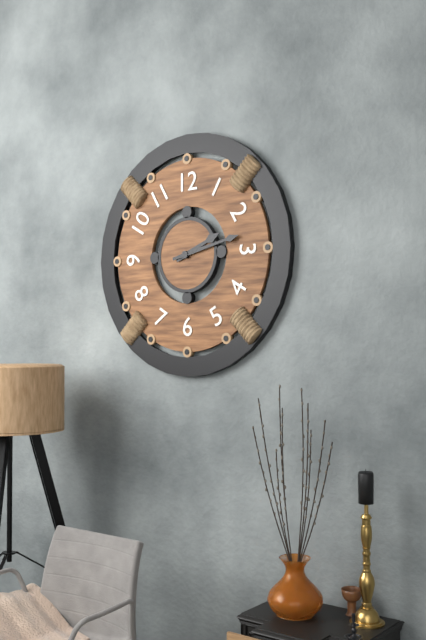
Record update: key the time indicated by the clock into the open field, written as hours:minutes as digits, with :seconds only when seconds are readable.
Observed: 2:13
